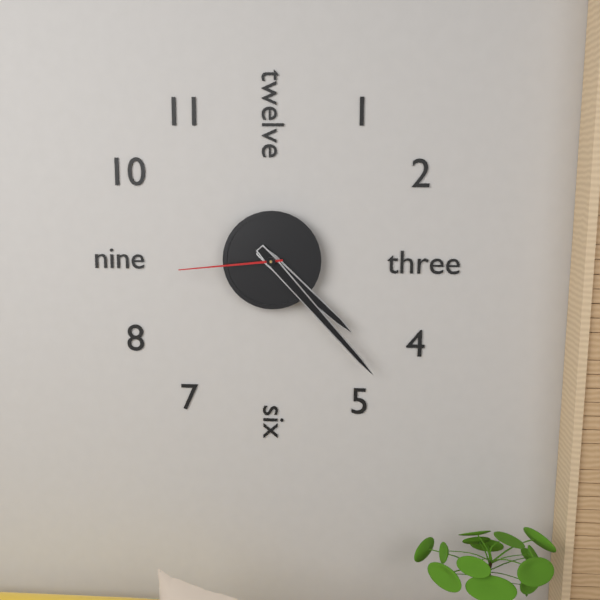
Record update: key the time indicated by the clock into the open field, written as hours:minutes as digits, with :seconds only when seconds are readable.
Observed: 4:23:44
